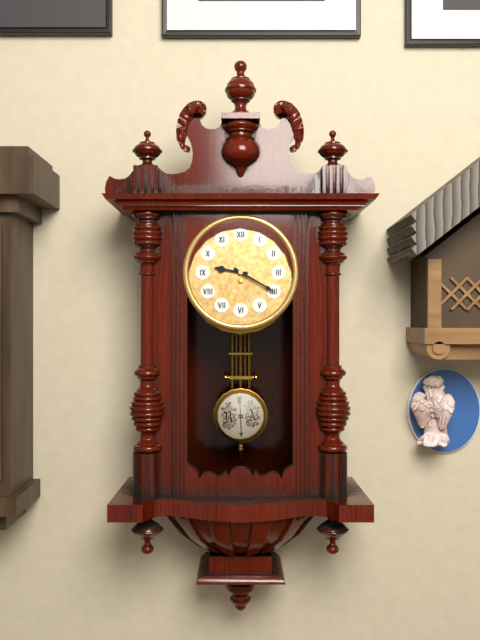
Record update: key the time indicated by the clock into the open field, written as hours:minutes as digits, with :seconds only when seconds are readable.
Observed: 9:20
